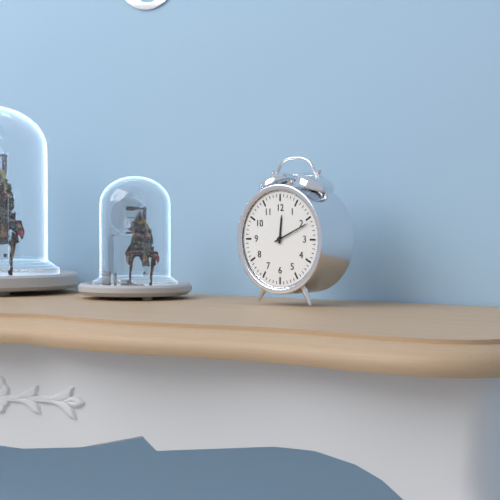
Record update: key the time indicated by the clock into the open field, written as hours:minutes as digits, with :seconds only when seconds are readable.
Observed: 12:11
